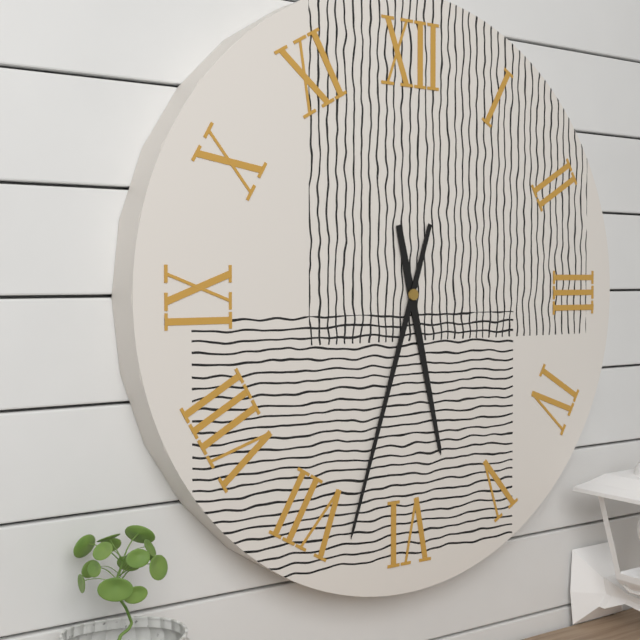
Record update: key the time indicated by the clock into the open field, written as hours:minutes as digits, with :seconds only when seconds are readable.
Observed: 5:33
